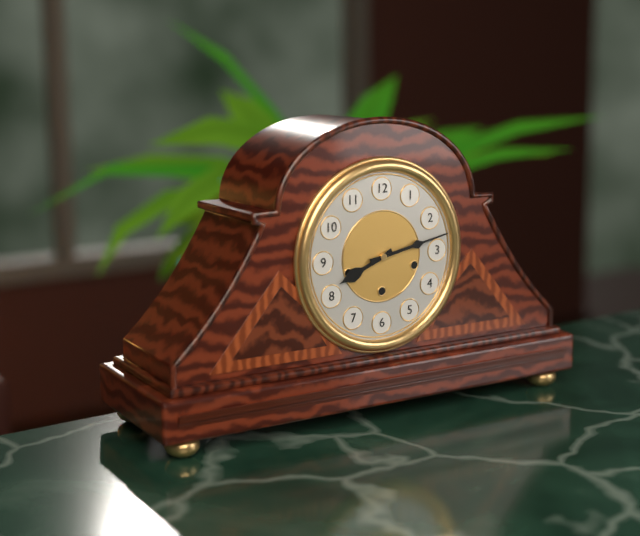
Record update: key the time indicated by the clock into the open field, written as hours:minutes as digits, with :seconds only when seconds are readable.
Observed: 8:13
